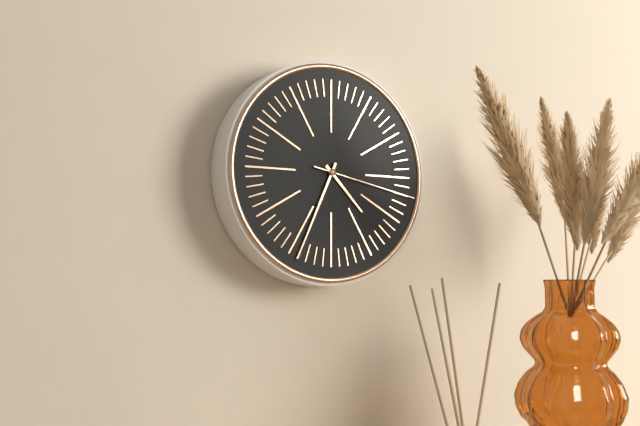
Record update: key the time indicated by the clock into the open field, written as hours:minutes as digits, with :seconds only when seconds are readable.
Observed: 4:34:17
